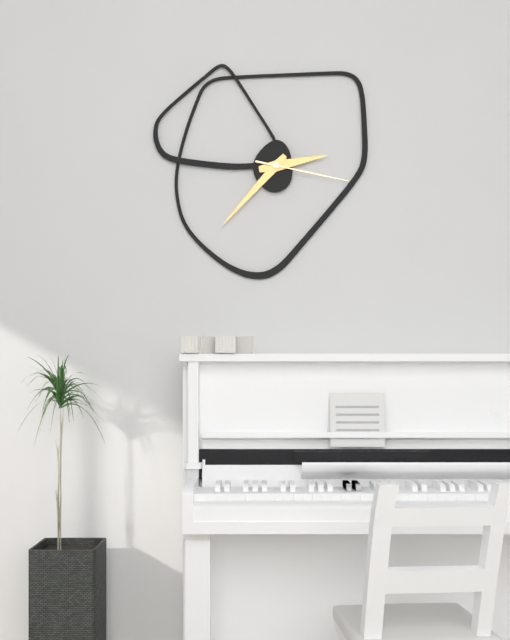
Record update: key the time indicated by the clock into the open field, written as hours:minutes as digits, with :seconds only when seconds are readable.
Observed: 2:37:17
